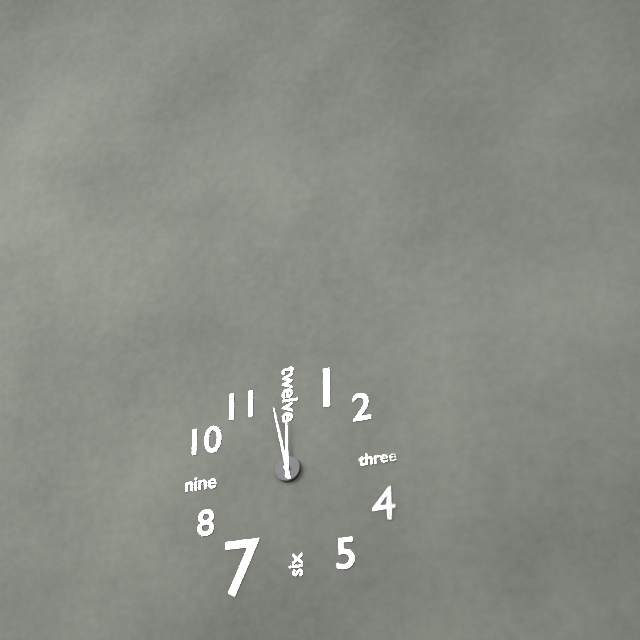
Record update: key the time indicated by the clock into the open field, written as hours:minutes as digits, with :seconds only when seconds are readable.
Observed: 11:58
